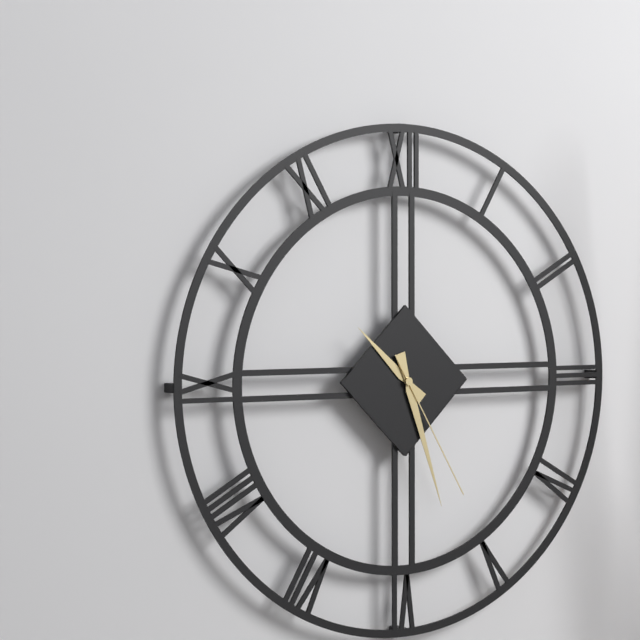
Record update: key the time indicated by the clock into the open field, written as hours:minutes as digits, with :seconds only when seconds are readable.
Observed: 10:27:25
